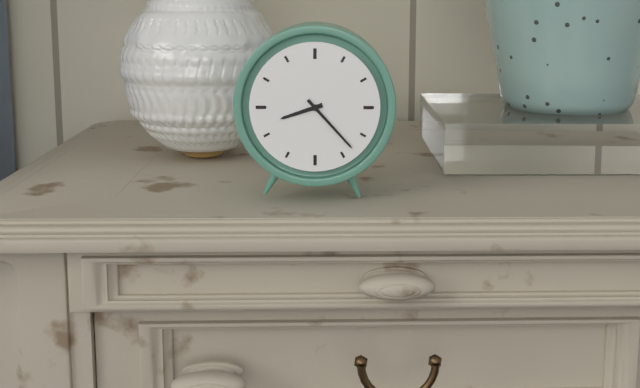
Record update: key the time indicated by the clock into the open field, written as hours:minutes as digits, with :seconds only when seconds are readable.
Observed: 8:23
